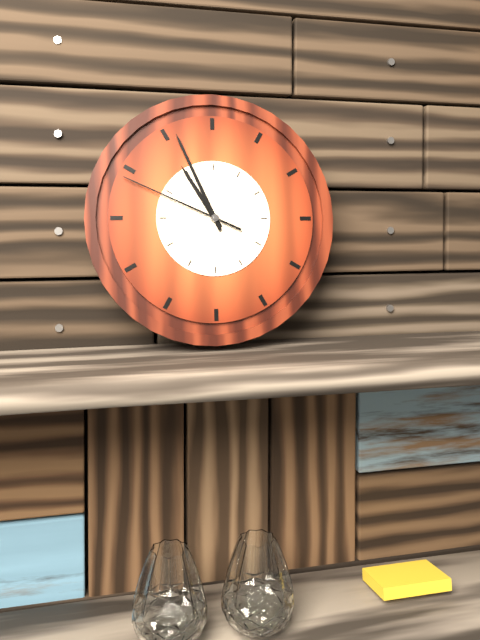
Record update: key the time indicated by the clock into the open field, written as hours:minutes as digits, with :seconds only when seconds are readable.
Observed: 10:56:49
